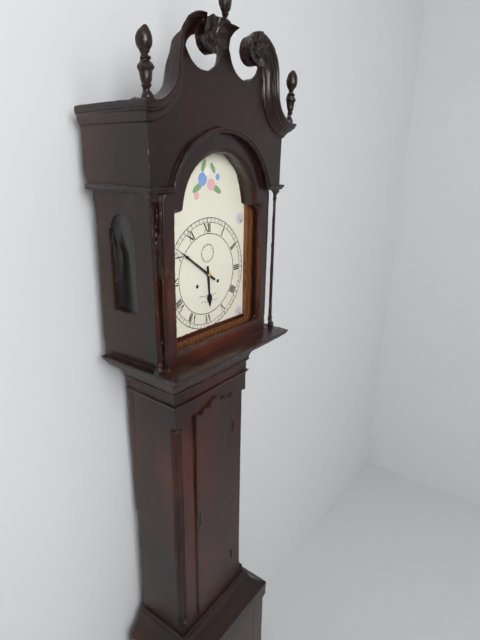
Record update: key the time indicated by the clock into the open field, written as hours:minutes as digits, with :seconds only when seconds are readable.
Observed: 5:51
